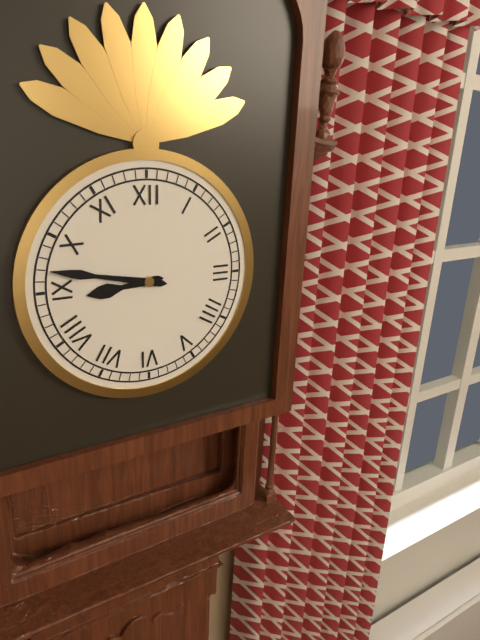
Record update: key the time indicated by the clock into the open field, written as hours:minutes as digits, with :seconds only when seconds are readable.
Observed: 8:47
